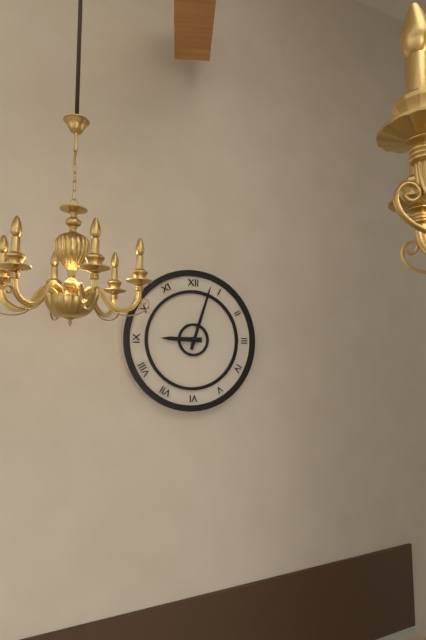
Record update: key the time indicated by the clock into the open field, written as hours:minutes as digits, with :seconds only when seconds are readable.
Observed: 9:03
